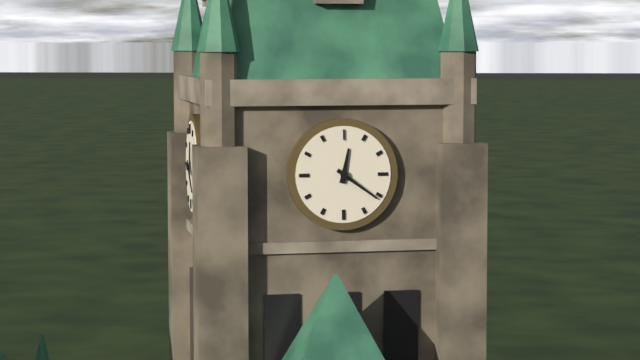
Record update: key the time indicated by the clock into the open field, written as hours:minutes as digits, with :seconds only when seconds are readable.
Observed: 12:21
